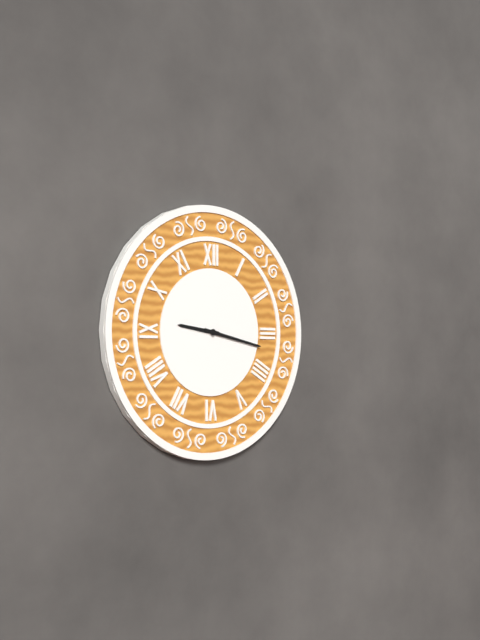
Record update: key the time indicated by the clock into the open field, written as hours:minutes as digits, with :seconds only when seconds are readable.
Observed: 9:17
